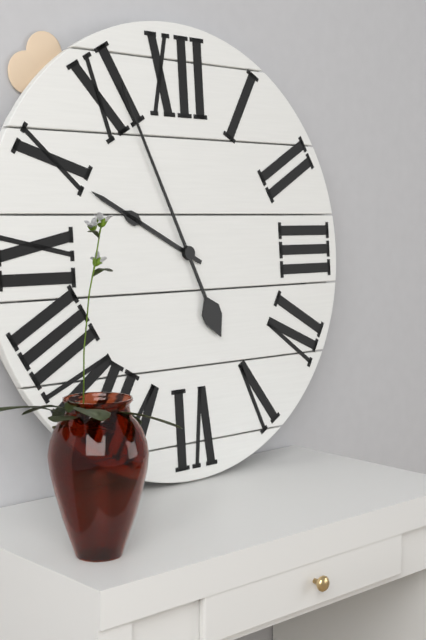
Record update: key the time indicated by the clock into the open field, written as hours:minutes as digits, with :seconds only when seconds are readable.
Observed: 9:56
